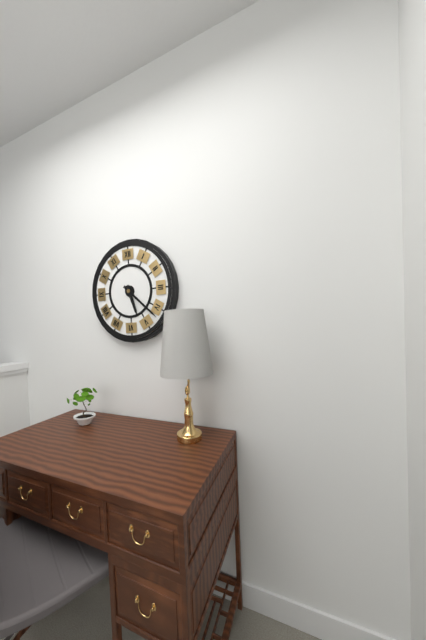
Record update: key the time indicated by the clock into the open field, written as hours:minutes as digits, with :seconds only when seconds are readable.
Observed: 5:22
